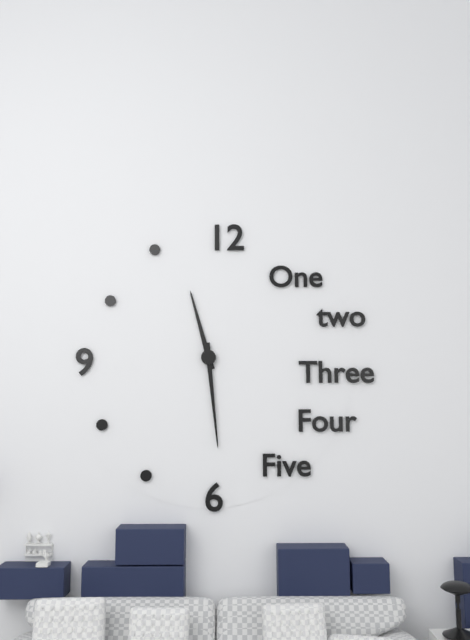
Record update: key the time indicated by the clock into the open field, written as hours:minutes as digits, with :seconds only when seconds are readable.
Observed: 11:29
